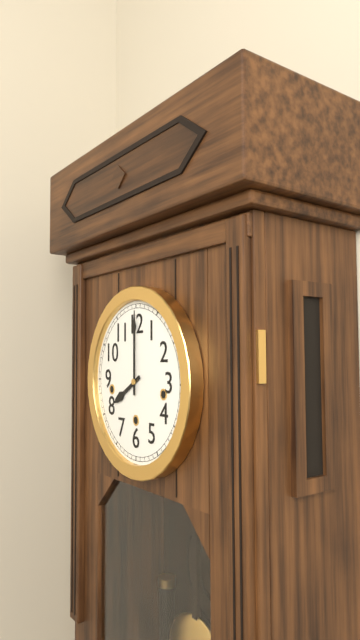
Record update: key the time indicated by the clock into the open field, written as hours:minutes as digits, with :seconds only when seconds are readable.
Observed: 8:00
